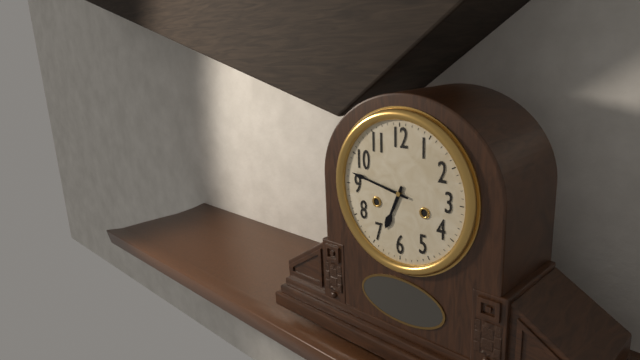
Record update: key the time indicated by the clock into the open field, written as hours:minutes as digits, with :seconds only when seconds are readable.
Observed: 6:47
